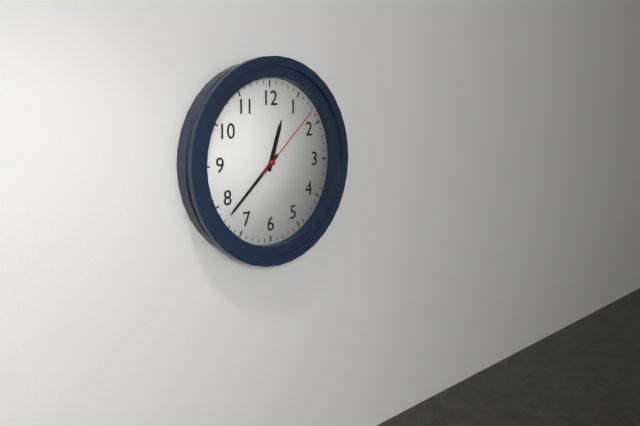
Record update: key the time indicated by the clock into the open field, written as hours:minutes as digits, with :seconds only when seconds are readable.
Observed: 12:38:08
